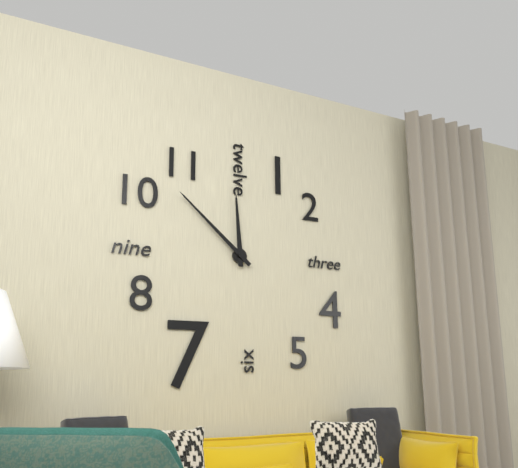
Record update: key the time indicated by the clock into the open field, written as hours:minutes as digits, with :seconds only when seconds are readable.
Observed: 11:52
